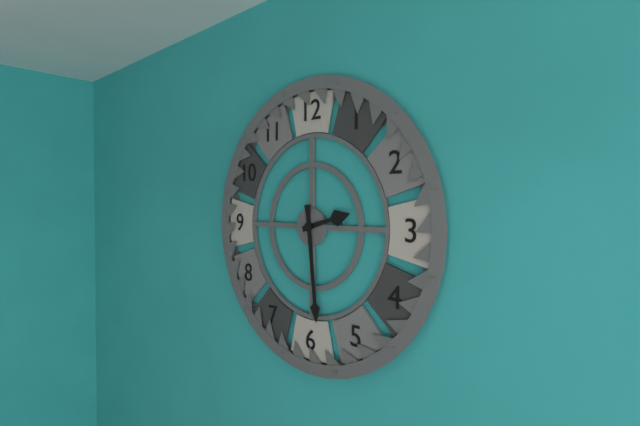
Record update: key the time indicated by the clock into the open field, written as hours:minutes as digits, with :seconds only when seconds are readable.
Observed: 2:29
